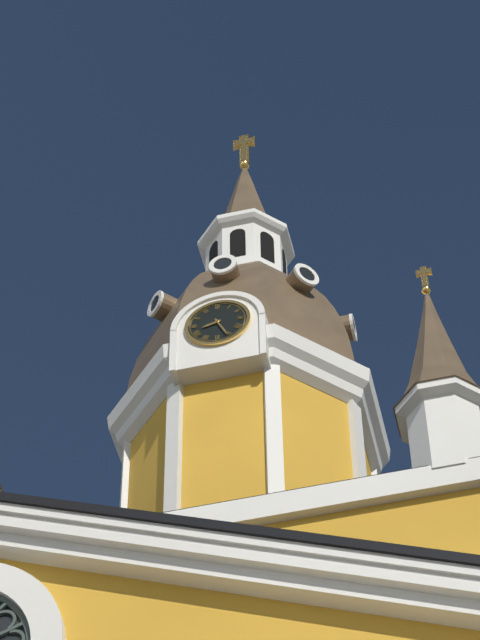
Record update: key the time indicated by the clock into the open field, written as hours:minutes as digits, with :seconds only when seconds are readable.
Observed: 8:26
